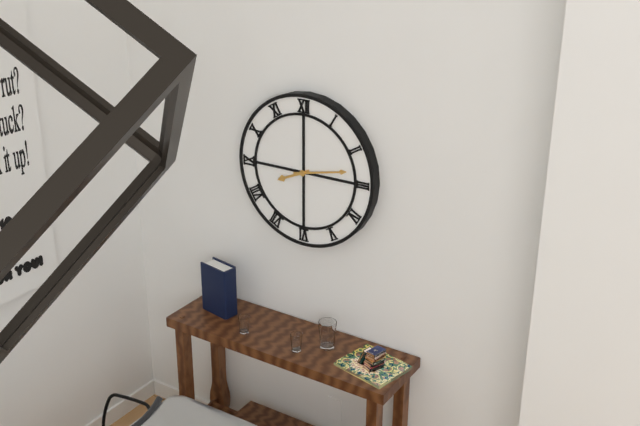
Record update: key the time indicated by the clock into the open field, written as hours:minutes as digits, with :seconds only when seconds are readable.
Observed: 8:13
